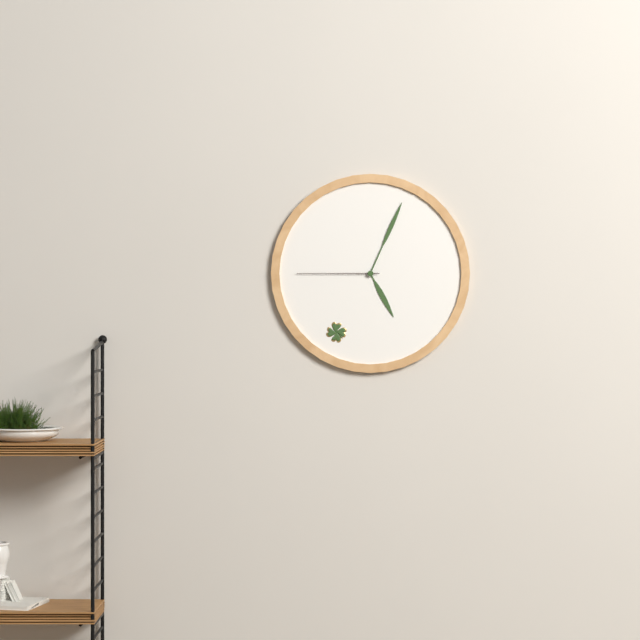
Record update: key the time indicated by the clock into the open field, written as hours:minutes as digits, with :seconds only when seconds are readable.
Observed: 5:04:45
